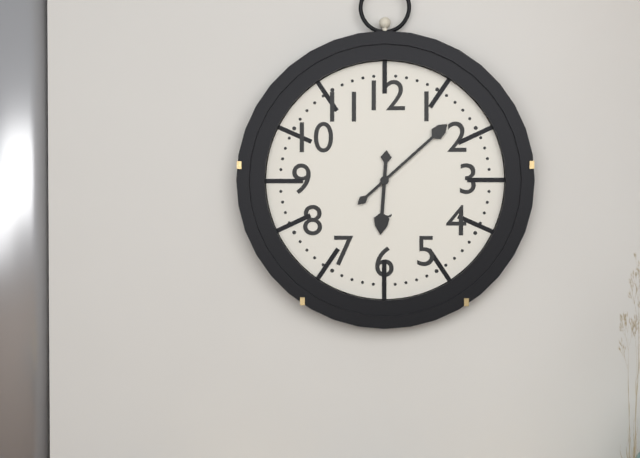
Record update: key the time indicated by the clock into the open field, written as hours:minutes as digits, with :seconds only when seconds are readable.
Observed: 6:08
